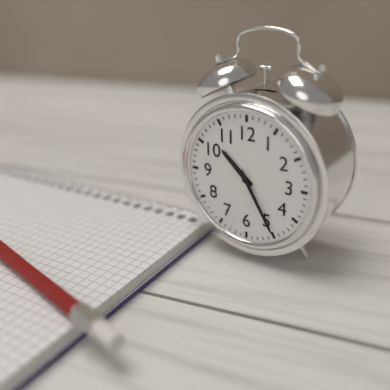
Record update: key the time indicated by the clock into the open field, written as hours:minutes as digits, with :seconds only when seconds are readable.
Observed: 10:25
